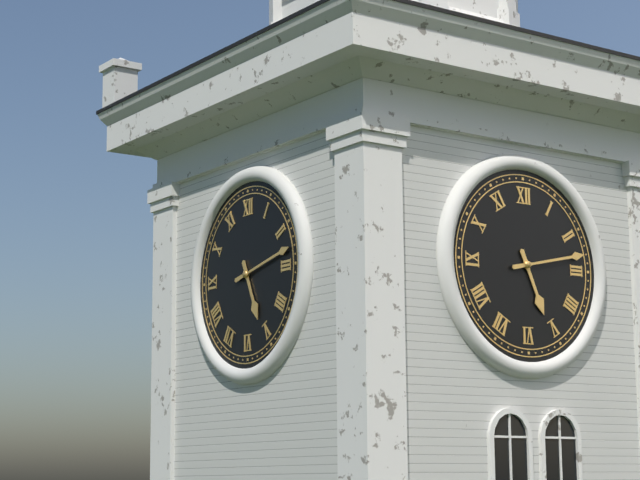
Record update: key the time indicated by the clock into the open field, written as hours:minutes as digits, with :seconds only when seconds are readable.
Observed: 5:13
